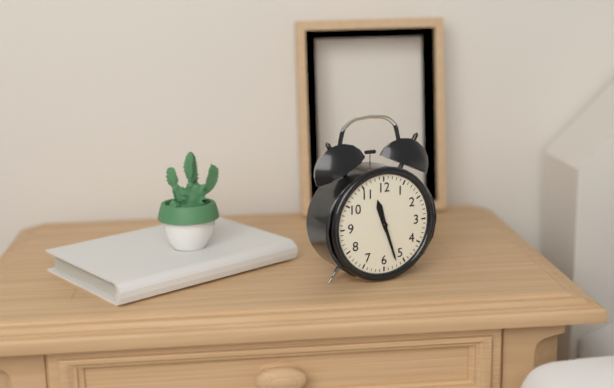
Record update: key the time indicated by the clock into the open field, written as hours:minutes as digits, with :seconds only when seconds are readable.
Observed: 11:27
